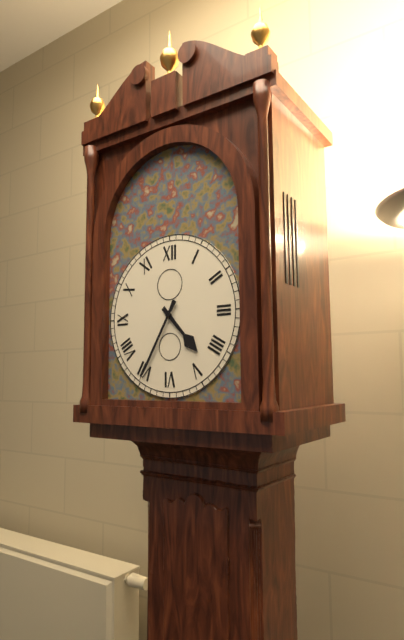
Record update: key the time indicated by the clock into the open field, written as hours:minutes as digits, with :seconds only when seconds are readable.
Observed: 4:35
